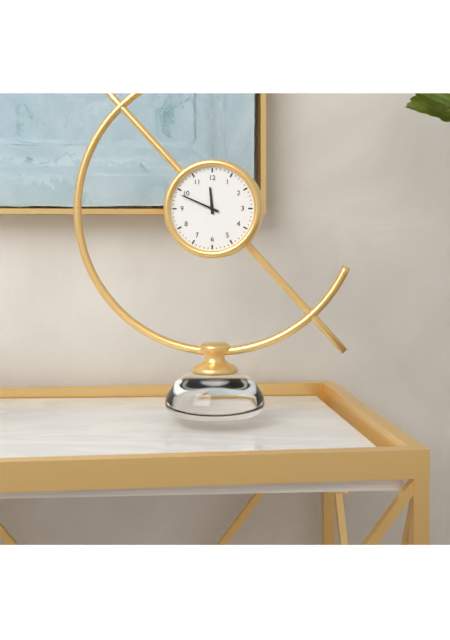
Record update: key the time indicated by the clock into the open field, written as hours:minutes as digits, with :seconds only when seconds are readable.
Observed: 11:49
